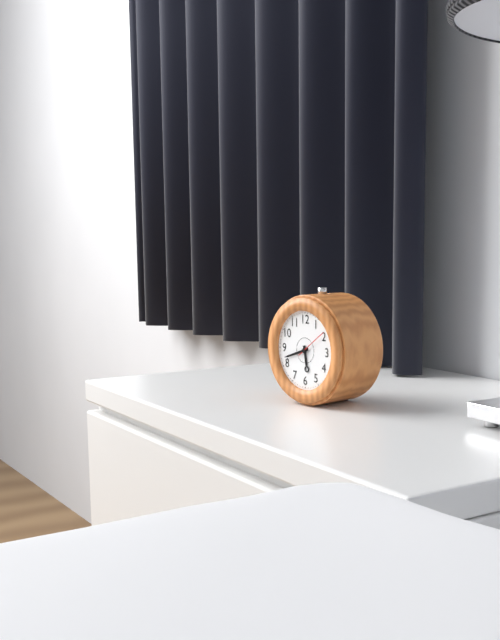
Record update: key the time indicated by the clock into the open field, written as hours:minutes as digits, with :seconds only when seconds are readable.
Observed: 5:42
